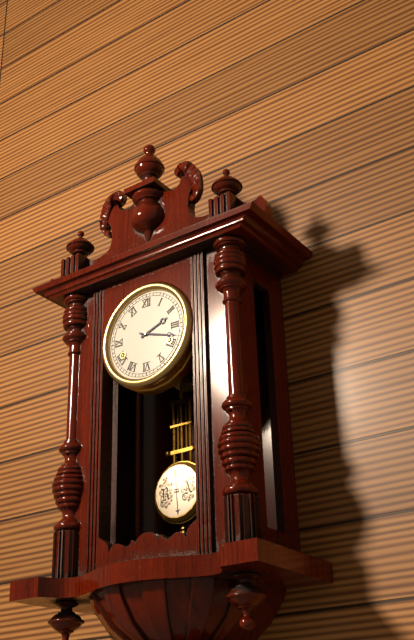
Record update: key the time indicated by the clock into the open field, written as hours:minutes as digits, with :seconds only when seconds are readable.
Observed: 2:18
